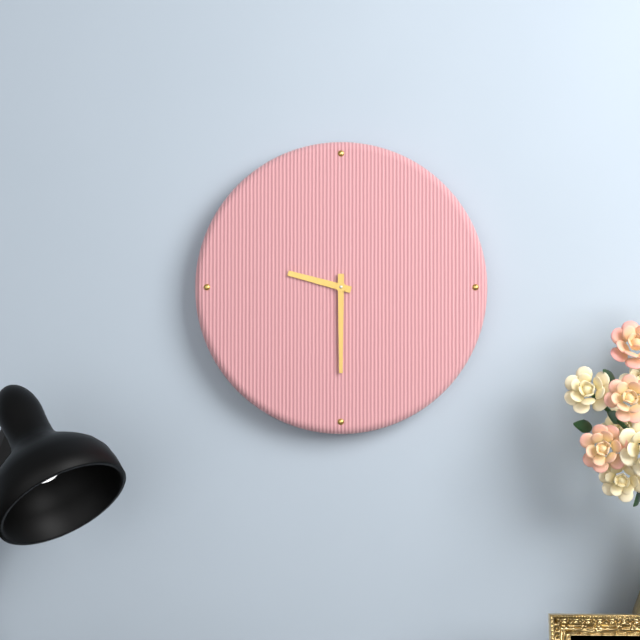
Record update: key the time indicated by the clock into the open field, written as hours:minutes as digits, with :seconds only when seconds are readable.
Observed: 9:30
